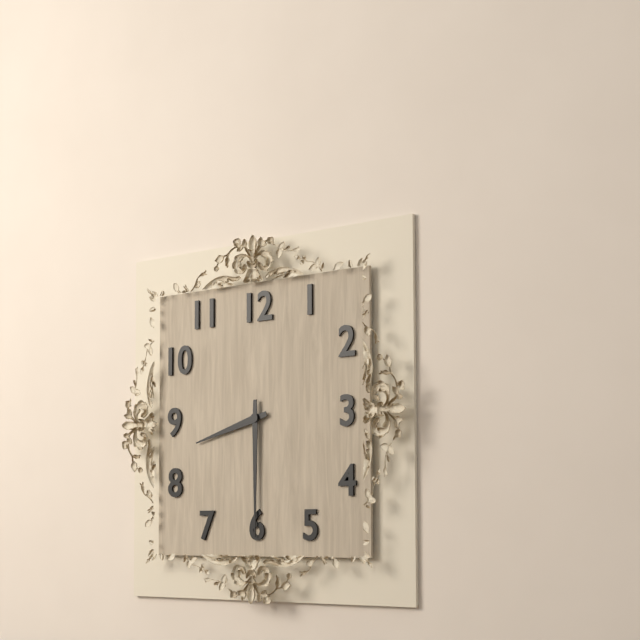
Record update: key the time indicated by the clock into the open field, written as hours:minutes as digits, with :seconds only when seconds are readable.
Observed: 8:30
